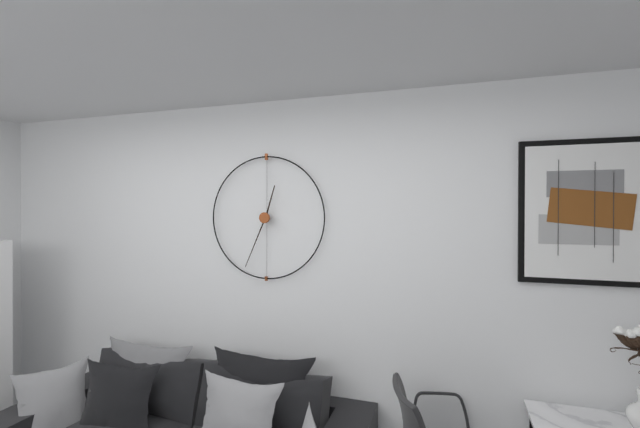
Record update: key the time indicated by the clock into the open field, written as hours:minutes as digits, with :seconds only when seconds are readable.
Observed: 12:34
